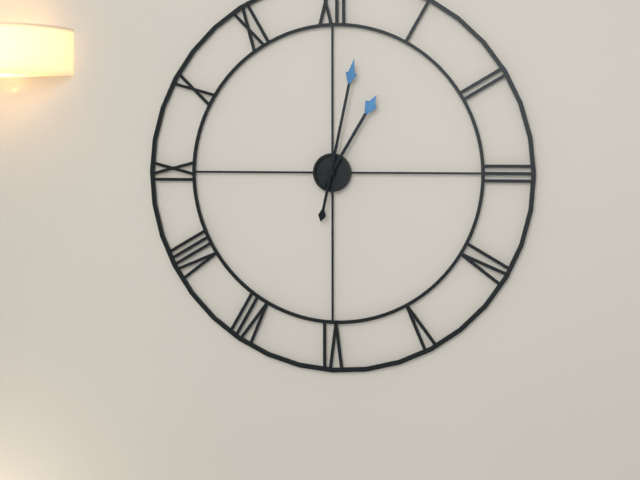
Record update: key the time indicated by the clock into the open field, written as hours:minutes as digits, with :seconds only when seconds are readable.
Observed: 1:02
